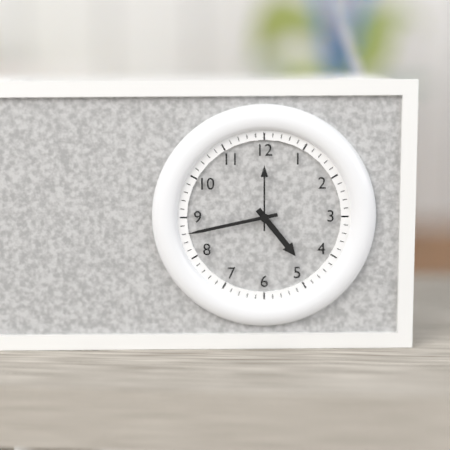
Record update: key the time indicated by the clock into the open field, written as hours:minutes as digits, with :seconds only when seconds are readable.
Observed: 4:43:00
